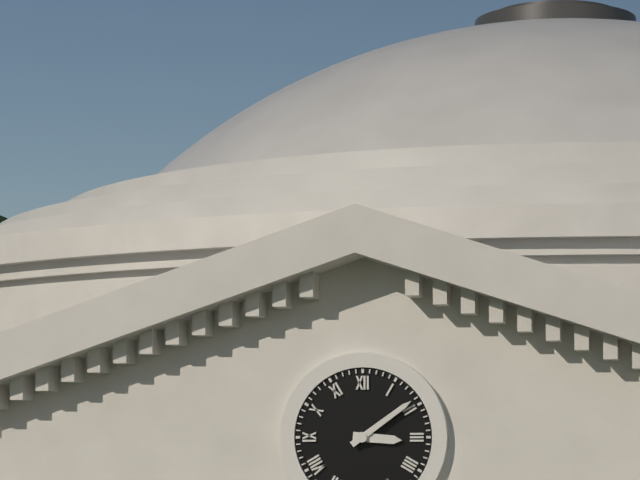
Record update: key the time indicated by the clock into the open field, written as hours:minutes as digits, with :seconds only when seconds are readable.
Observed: 3:09
